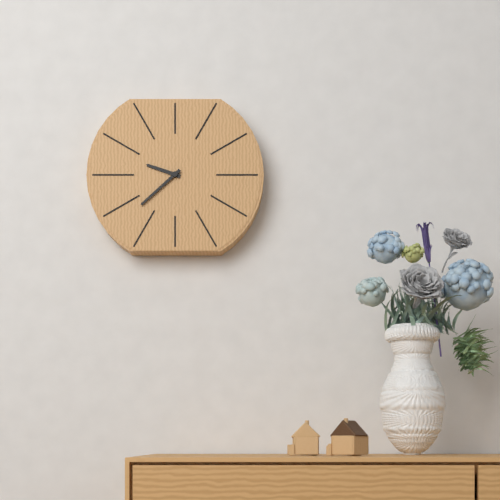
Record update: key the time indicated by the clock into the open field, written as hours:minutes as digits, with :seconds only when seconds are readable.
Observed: 9:38
